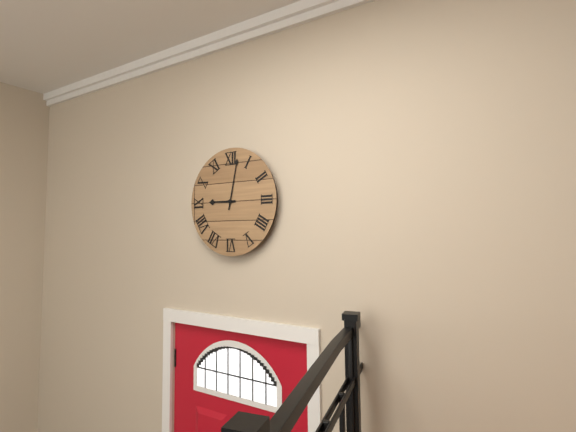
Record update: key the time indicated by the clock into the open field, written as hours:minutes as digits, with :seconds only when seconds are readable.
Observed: 9:02
